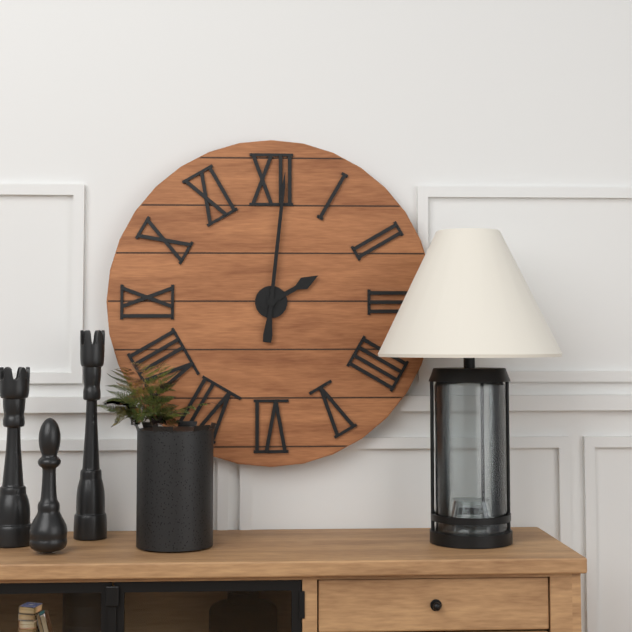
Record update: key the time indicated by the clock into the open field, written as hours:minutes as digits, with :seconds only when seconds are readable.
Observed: 2:01
